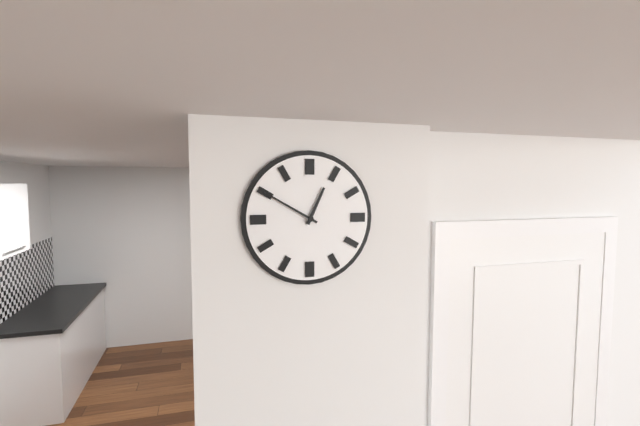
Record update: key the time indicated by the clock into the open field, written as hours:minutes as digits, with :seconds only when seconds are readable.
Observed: 12:50
